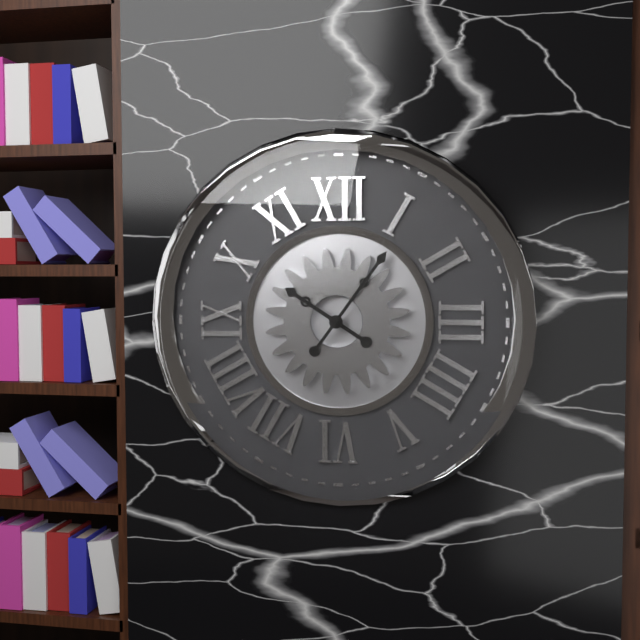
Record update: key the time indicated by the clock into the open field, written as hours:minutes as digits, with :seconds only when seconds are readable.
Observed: 10:06
